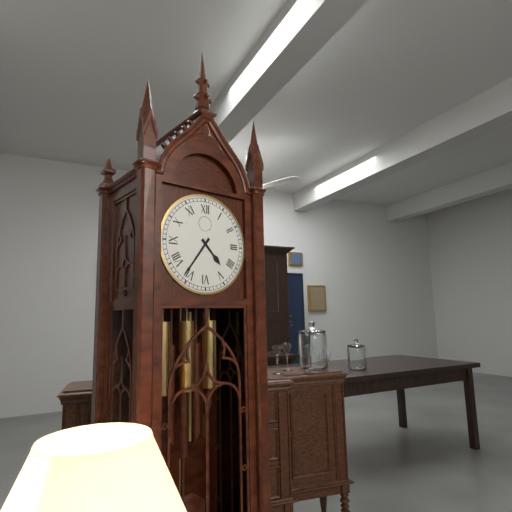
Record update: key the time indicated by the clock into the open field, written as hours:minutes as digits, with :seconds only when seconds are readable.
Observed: 4:36
